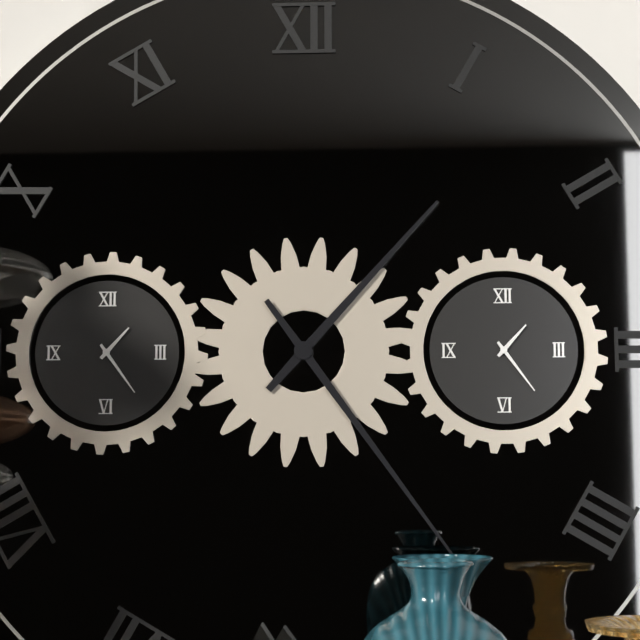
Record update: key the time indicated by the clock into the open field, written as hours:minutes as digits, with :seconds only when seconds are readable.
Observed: 1:24
